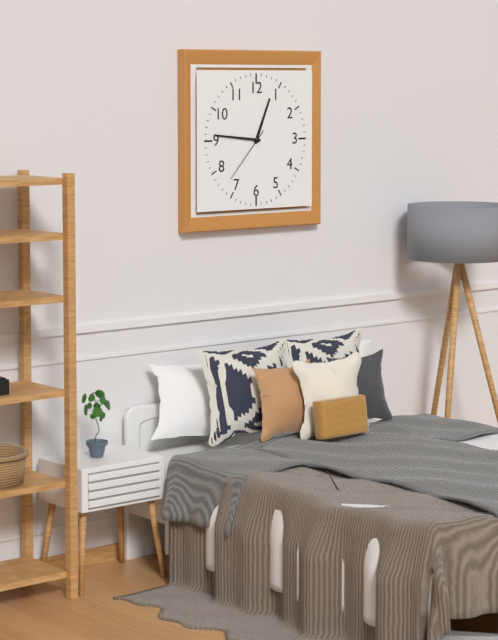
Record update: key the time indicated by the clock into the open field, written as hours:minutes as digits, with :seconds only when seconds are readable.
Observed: 12:46:37
